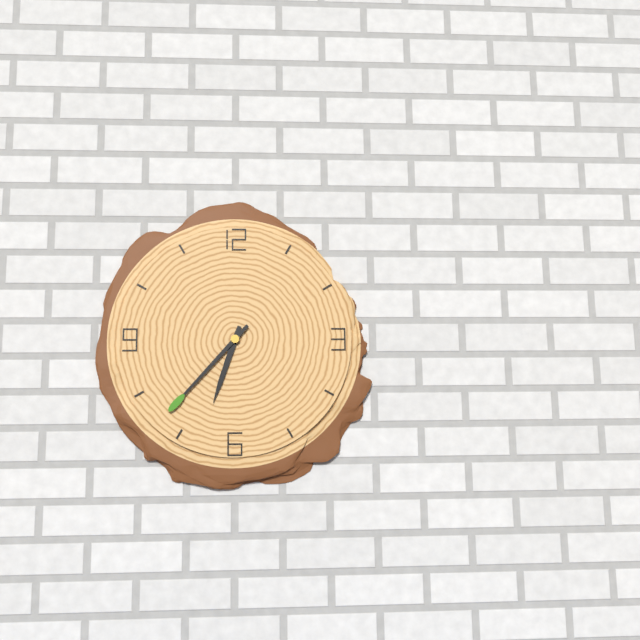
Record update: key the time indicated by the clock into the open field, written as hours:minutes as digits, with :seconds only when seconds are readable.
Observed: 6:37
